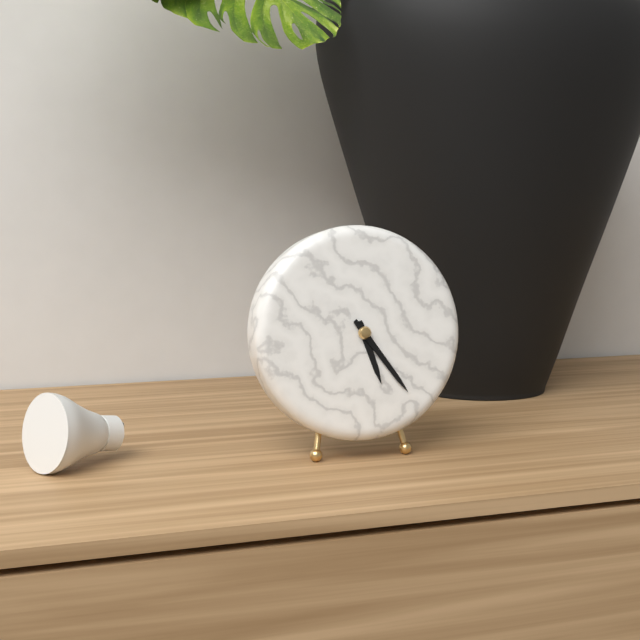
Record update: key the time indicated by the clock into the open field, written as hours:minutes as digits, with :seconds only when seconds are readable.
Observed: 5:24
